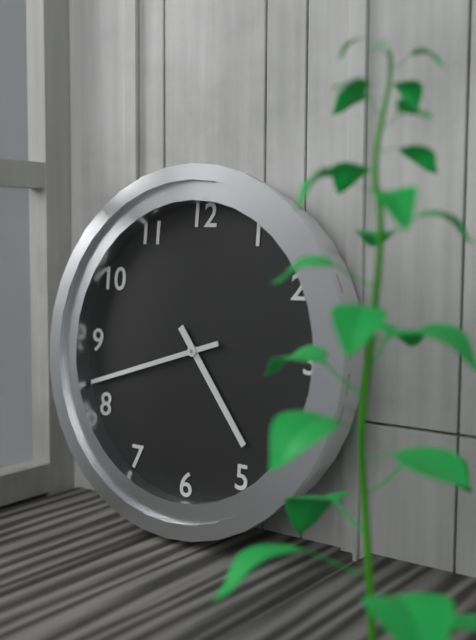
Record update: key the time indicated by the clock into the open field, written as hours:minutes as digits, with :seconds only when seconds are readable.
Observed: 4:42
